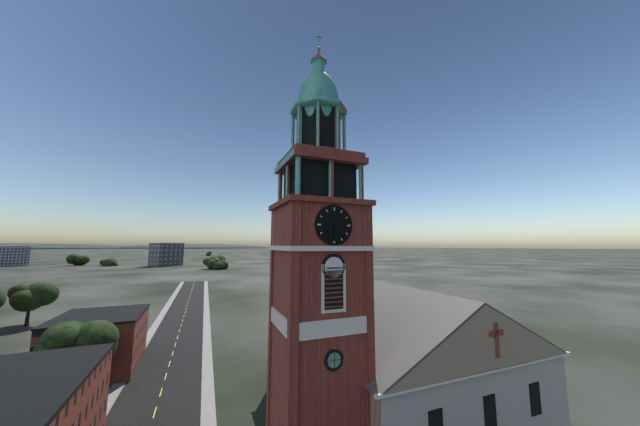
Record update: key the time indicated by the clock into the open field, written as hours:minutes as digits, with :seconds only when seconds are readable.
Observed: 5:30
